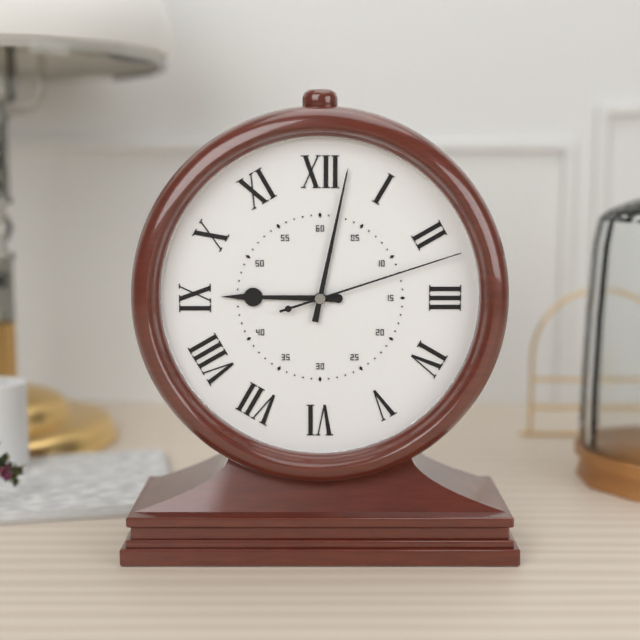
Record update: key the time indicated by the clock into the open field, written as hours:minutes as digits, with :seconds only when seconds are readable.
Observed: 9:02:12
